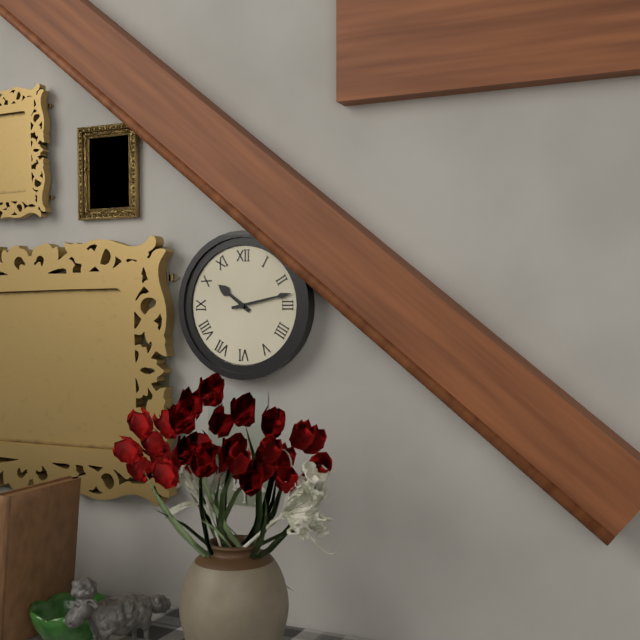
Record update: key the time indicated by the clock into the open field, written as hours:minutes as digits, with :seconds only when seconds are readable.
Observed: 10:13
